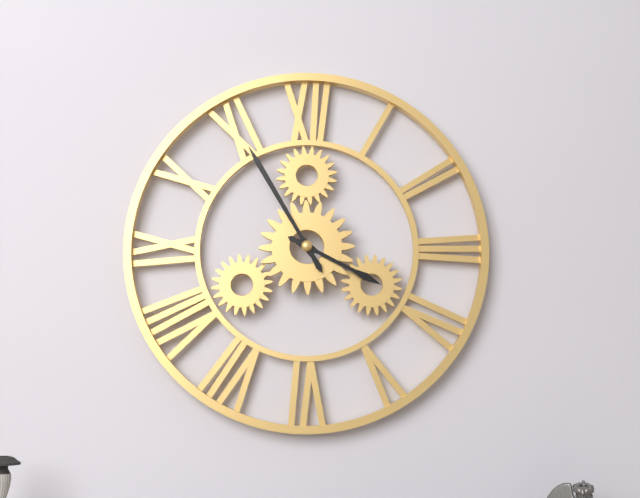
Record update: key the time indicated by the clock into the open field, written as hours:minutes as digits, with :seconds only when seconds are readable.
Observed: 3:55
